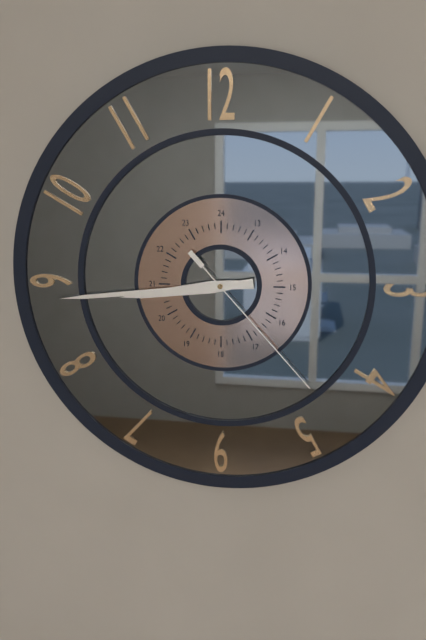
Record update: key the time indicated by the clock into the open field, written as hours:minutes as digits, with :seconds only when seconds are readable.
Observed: 8:44:23
